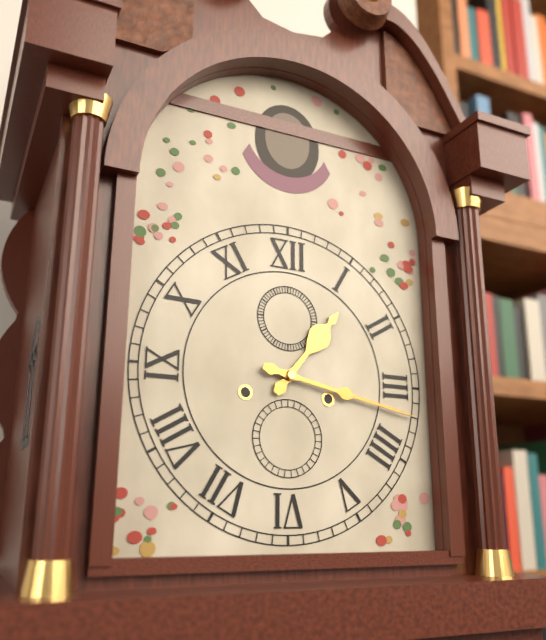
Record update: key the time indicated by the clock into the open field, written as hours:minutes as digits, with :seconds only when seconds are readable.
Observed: 1:17
